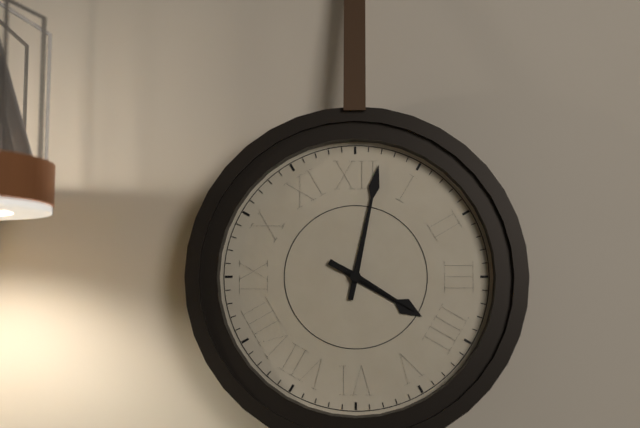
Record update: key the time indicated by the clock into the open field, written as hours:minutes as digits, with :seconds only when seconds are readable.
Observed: 4:02:20
